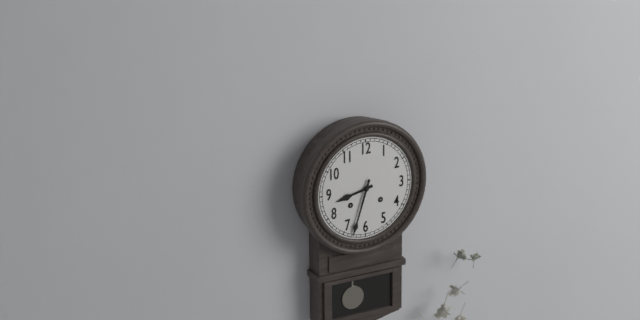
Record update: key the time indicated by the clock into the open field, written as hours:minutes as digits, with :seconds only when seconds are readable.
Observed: 8:33
